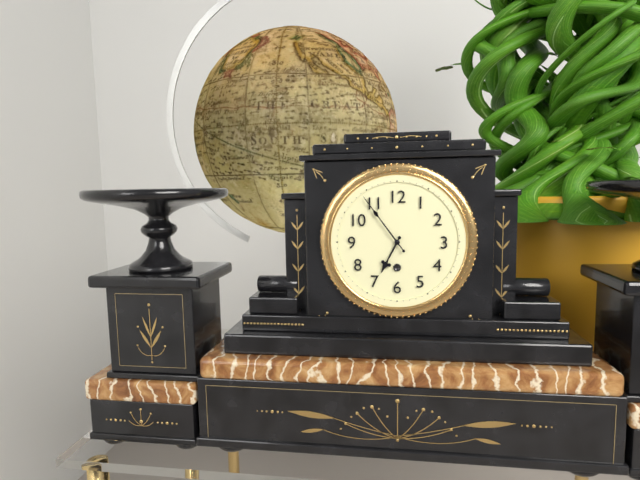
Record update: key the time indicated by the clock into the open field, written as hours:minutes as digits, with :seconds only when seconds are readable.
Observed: 6:54
